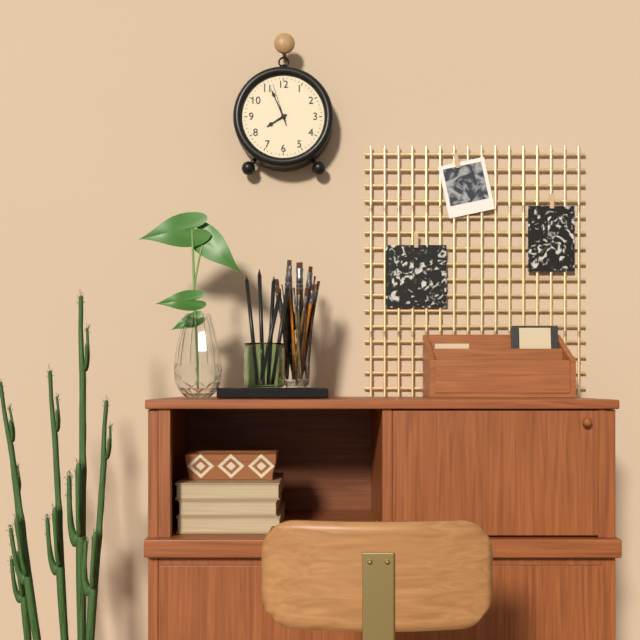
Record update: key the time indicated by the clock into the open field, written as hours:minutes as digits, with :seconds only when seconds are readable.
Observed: 7:56
